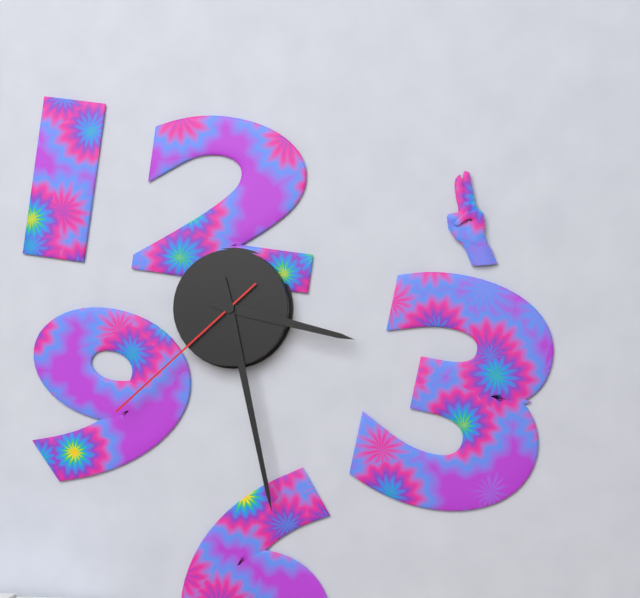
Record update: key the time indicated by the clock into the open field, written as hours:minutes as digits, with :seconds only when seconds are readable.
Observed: 3:28:38
